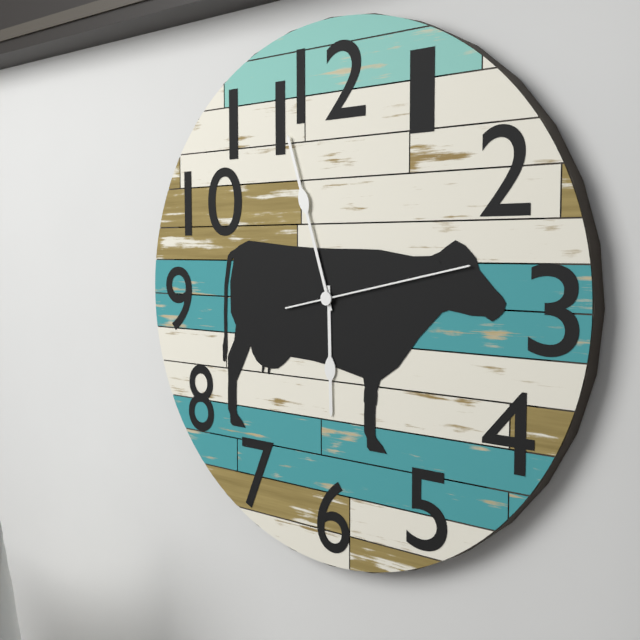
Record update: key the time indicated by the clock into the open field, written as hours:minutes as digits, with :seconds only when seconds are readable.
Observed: 5:57:13
